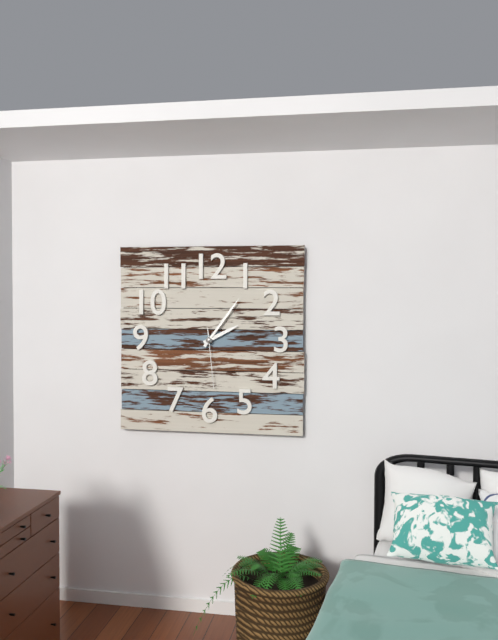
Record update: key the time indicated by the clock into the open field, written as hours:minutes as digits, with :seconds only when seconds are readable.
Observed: 2:06:29
